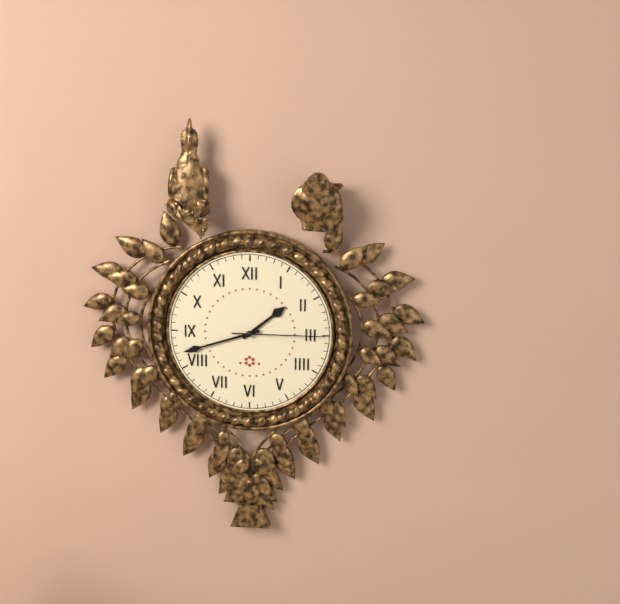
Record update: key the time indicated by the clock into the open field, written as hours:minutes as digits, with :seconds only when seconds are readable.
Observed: 1:42:15
